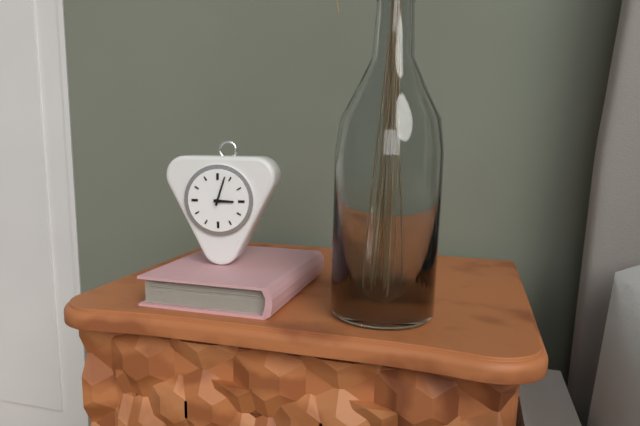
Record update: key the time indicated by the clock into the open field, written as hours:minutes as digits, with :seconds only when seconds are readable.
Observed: 3:03
